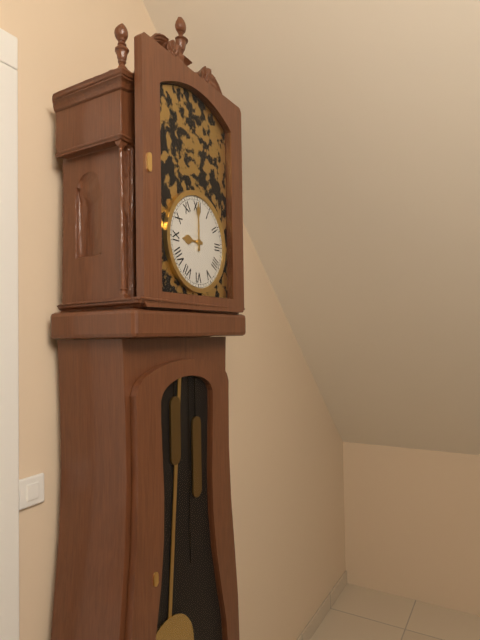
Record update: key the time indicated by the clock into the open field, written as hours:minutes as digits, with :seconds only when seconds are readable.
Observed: 9:00
